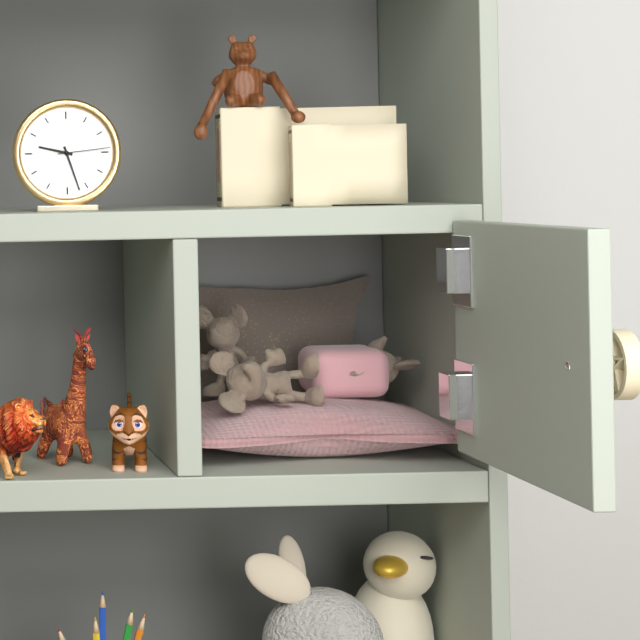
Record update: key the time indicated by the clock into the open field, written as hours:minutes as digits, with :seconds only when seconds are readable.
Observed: 9:27:14
